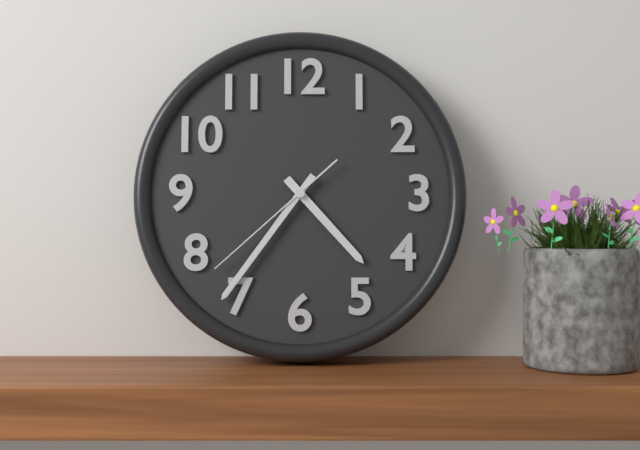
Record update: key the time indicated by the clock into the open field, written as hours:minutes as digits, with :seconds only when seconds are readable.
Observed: 4:36:38
